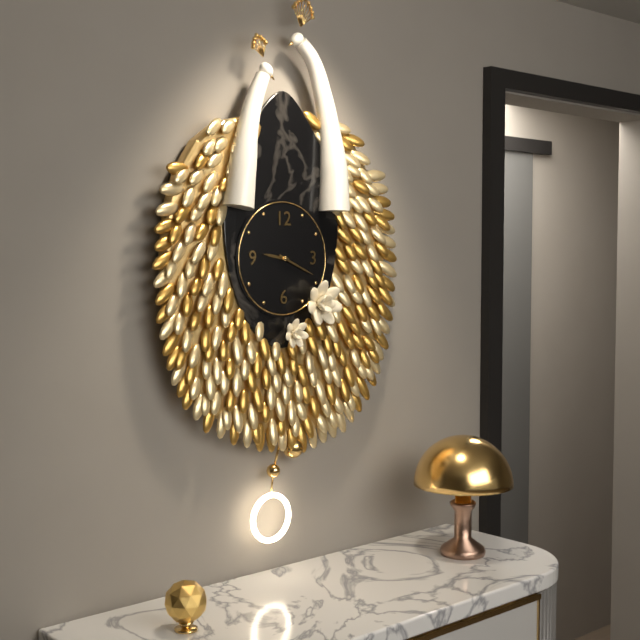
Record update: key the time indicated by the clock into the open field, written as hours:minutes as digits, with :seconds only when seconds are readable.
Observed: 9:19
